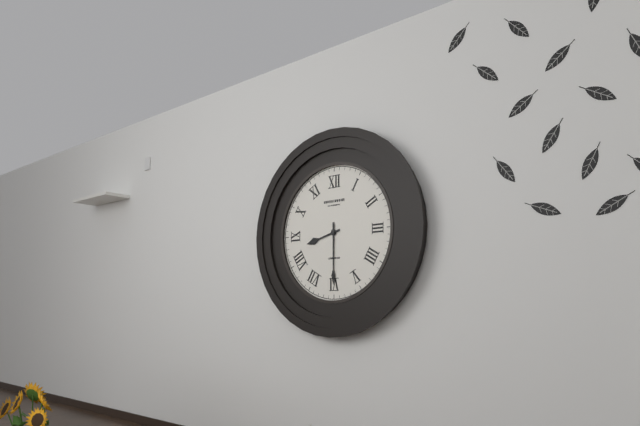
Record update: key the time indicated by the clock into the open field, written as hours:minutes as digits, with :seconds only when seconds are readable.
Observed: 8:30
